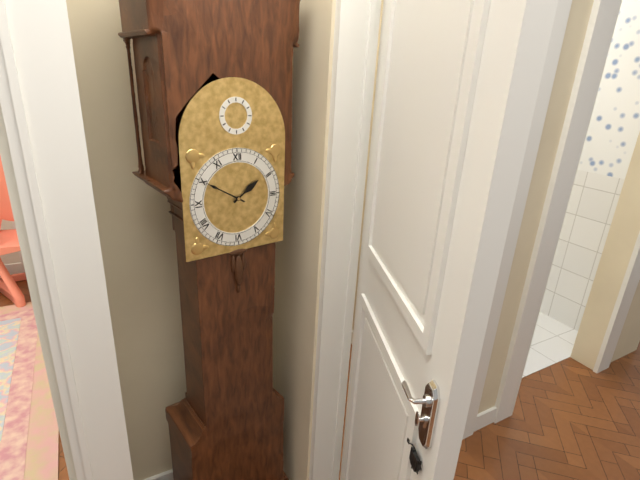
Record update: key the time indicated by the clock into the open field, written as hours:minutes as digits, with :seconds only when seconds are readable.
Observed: 1:50
